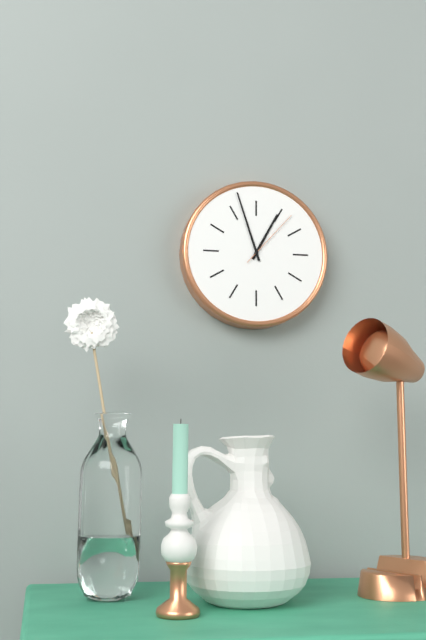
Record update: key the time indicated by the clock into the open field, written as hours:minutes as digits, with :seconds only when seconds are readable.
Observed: 12:57:07
